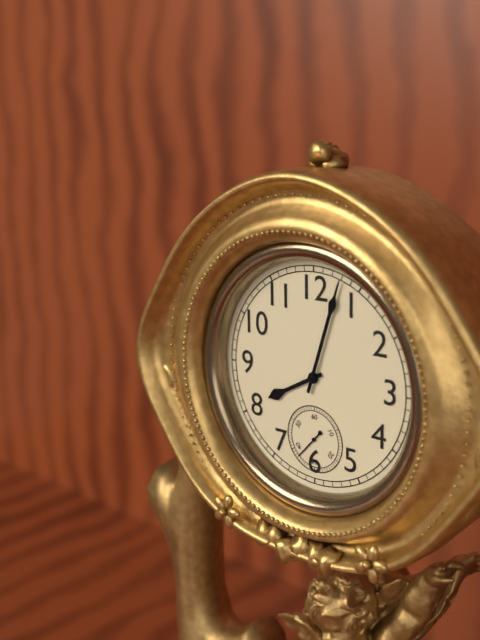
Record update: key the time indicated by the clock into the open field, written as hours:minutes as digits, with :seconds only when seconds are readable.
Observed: 8:03
